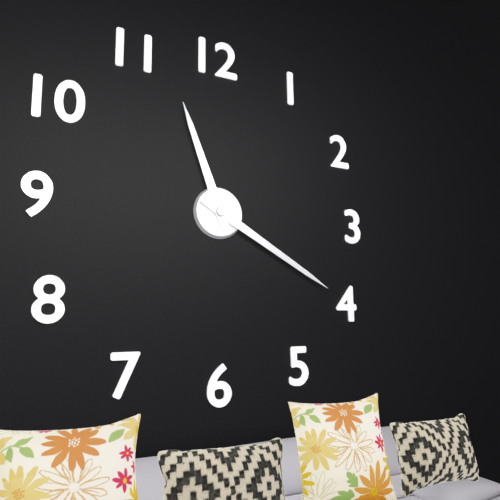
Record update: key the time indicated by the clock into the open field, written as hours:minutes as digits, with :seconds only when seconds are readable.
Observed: 11:20
